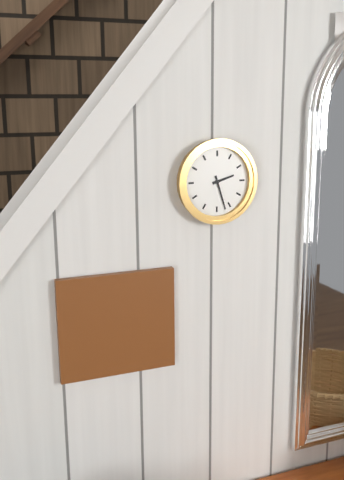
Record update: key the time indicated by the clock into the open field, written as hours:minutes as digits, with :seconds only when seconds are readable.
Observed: 2:27
